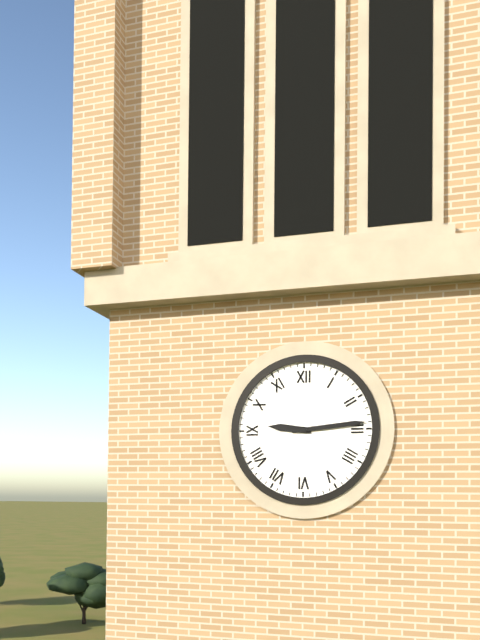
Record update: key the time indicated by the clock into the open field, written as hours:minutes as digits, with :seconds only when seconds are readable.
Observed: 9:14
